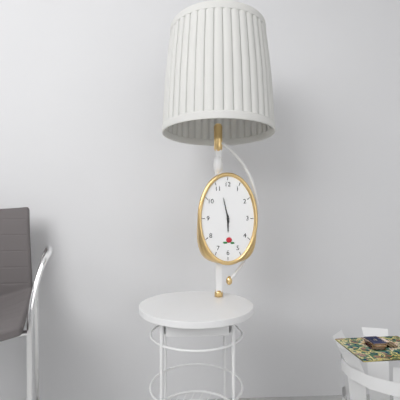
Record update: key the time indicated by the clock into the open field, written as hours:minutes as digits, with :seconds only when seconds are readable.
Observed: 5:58
